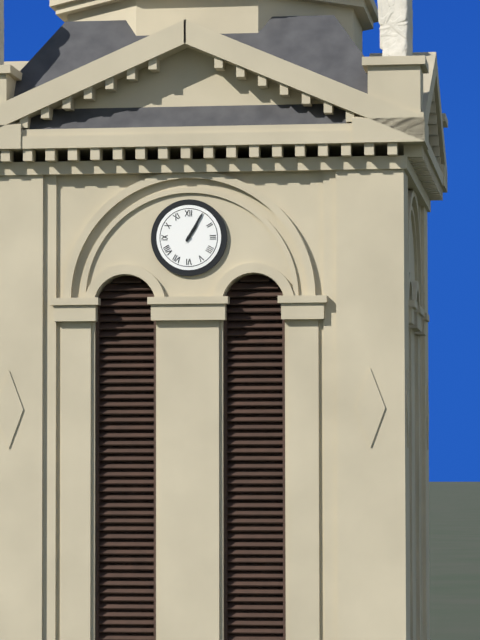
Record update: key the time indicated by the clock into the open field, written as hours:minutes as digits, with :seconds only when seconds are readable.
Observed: 1:05
